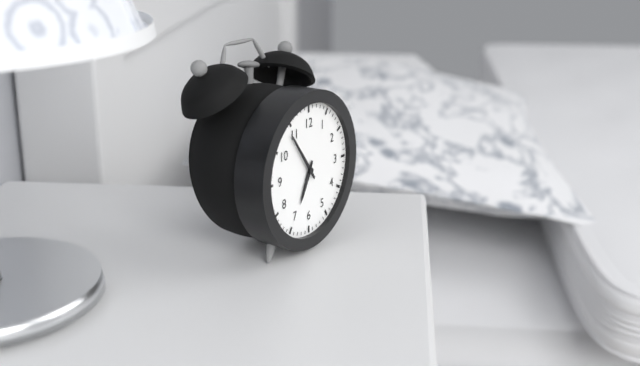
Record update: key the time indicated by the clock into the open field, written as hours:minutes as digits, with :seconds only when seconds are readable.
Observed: 6:54
